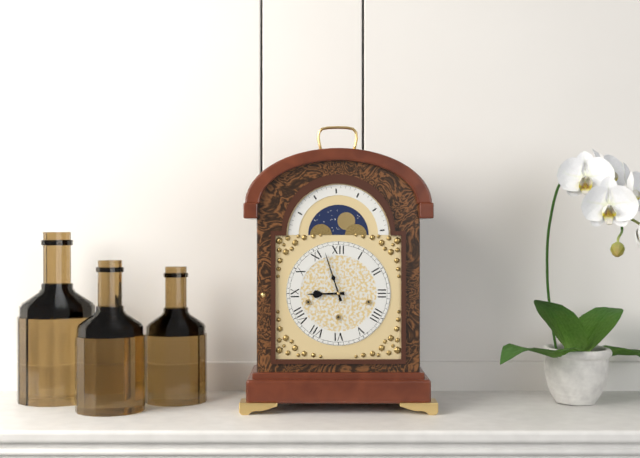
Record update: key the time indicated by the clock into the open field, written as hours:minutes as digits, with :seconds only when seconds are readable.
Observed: 8:57
